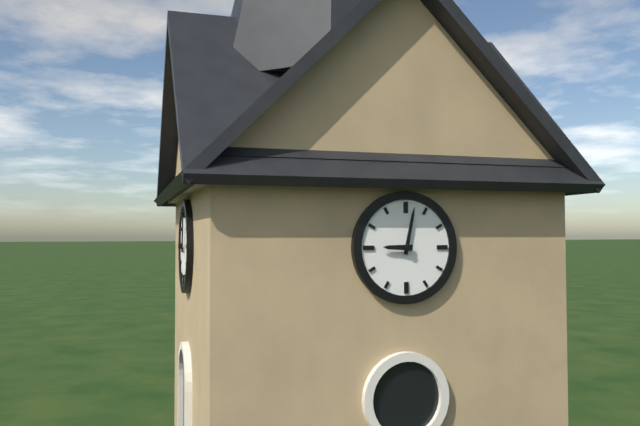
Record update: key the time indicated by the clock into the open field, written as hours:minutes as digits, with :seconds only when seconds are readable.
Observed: 9:02
